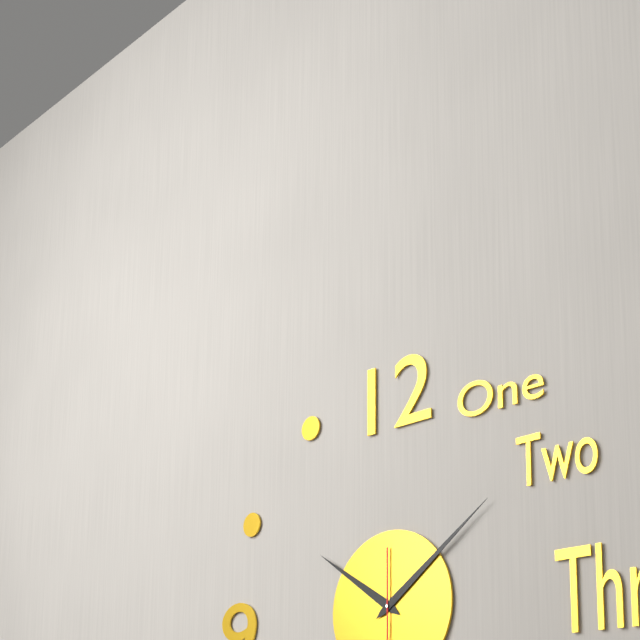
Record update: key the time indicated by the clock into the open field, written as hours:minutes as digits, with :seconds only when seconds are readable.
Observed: 10:09
